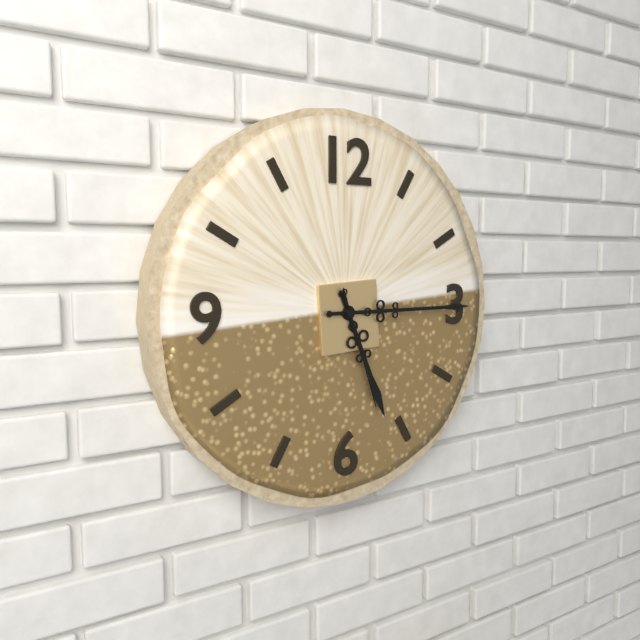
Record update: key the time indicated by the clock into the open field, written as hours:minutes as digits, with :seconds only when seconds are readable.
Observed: 5:15:27
